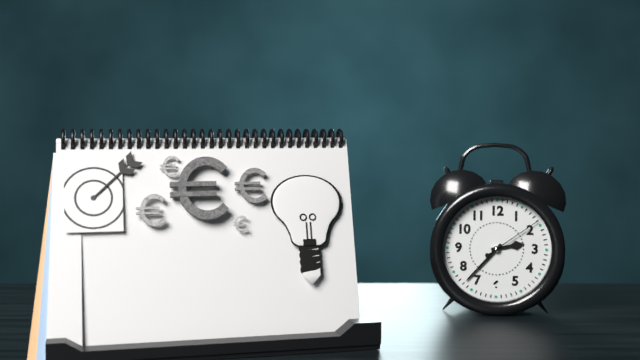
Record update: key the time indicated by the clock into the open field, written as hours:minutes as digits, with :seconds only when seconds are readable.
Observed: 2:37:09
